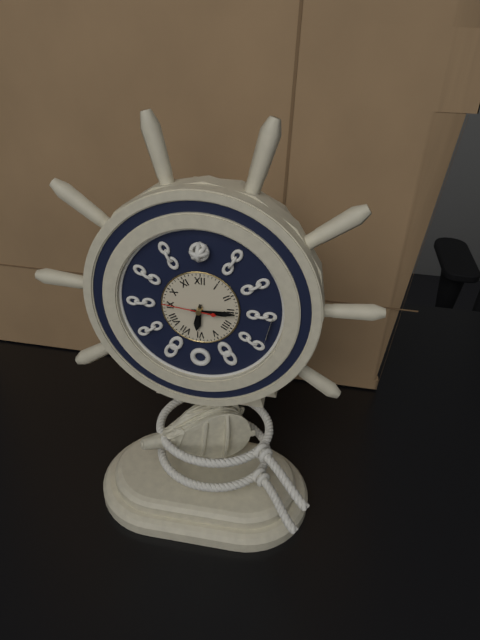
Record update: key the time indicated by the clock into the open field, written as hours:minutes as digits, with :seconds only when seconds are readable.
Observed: 6:15
